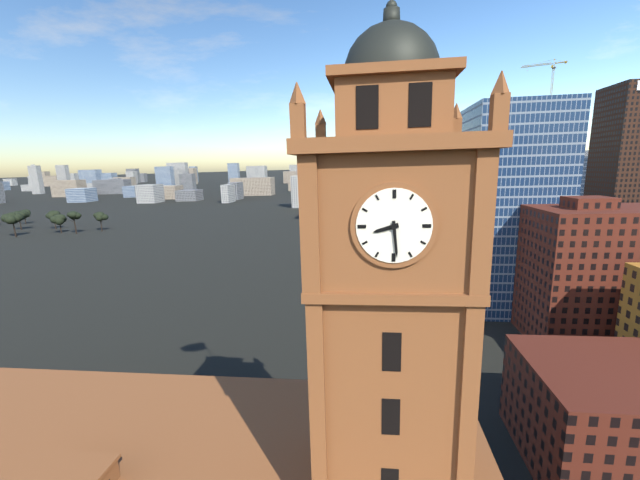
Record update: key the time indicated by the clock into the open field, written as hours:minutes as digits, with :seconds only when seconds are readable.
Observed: 8:29
